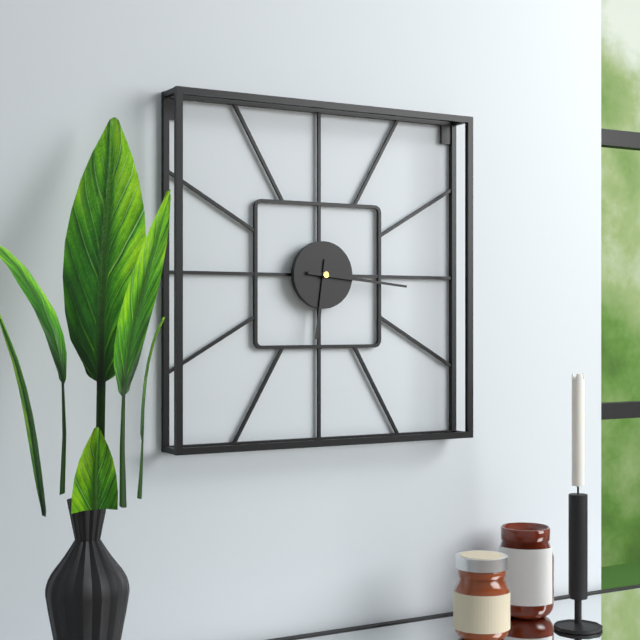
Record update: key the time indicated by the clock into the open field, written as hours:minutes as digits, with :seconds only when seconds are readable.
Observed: 6:16
